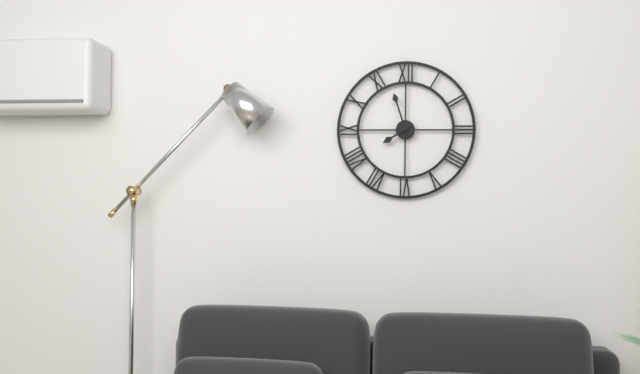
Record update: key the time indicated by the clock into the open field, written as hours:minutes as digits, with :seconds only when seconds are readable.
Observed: 7:57
